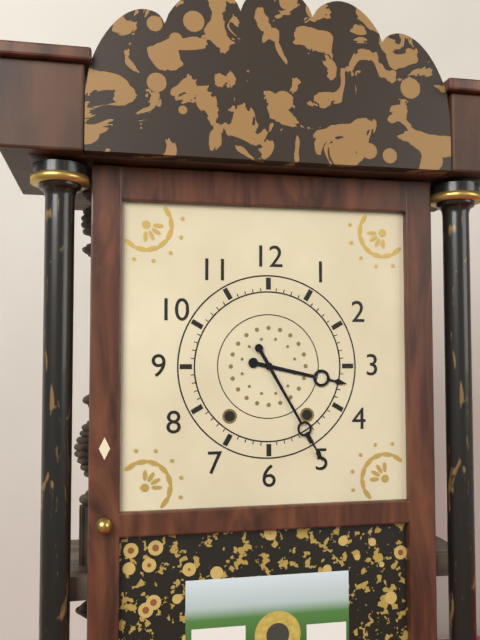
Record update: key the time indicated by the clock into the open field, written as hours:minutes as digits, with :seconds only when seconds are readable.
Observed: 3:25
